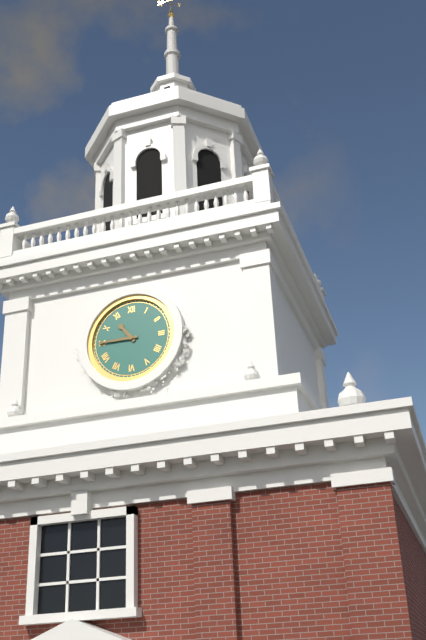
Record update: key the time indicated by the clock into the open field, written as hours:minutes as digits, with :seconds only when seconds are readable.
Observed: 10:45
